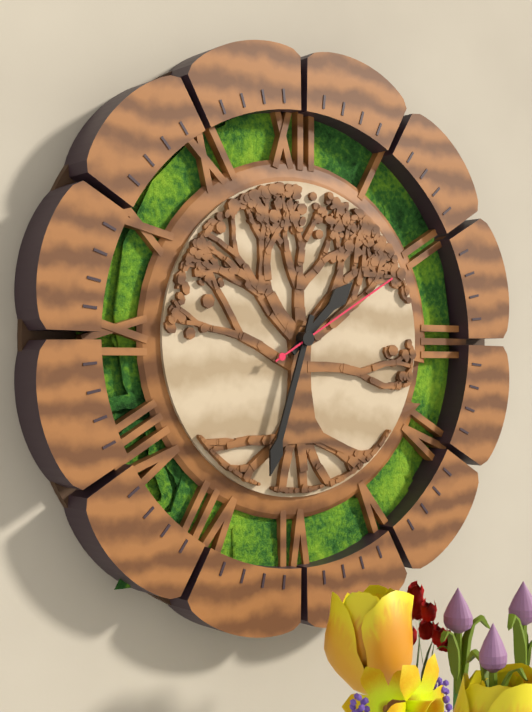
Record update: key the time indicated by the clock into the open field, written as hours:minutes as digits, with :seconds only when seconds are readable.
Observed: 1:33:10
